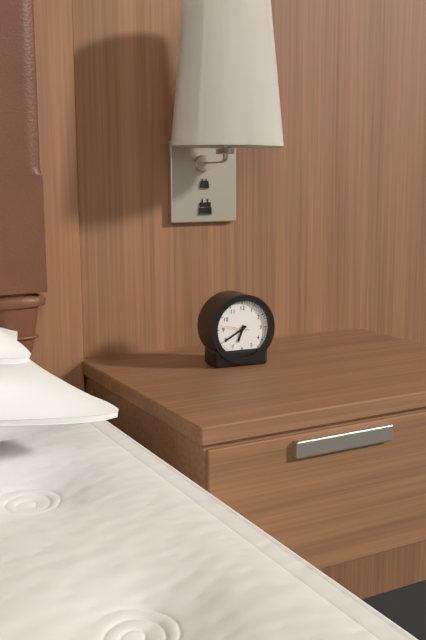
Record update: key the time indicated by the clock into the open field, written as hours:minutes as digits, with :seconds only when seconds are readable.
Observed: 6:40
